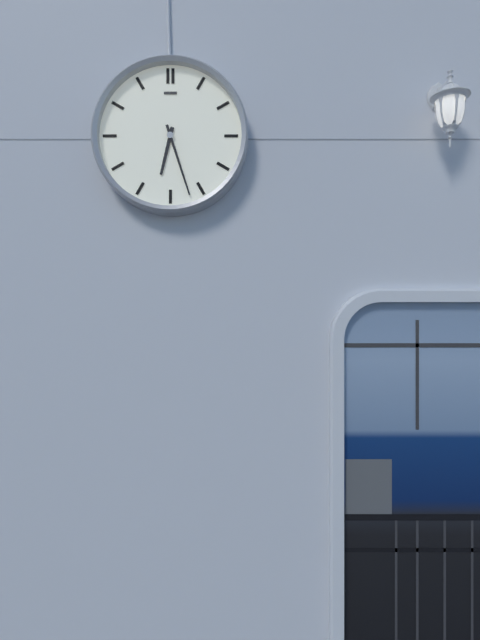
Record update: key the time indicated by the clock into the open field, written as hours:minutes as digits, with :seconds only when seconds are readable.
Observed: 6:27
